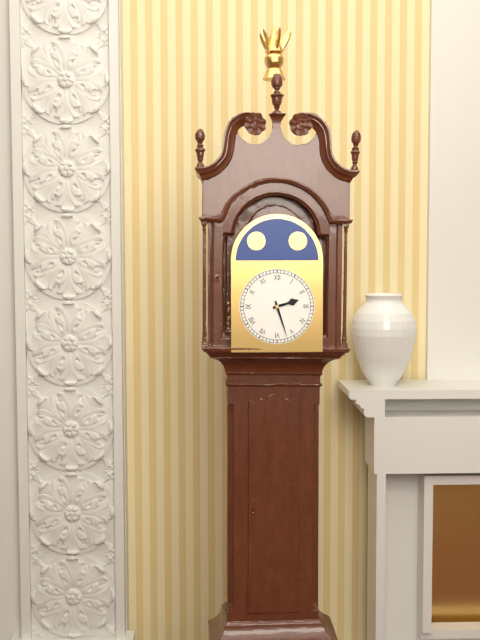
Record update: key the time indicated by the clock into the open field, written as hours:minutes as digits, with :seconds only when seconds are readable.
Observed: 2:27
